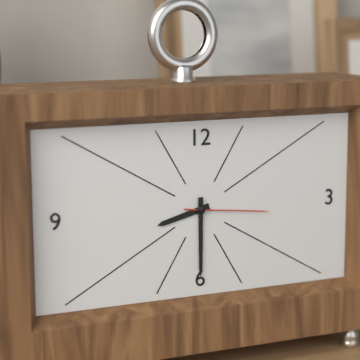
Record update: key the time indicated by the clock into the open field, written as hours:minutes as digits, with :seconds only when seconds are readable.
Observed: 8:30:16
